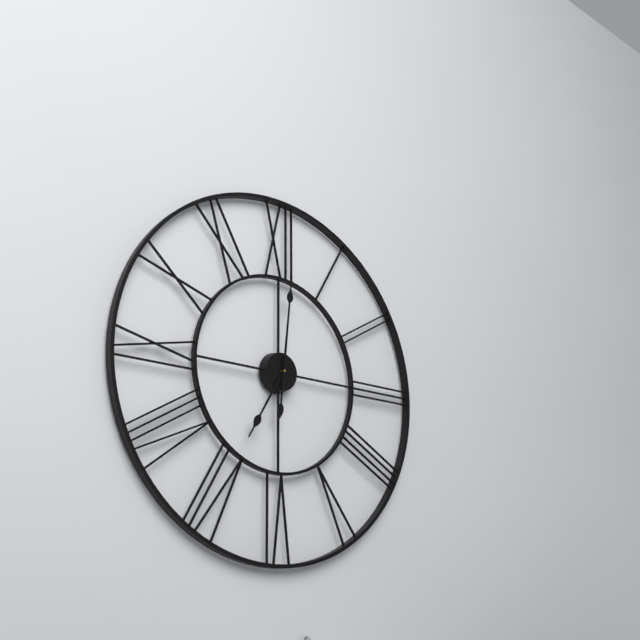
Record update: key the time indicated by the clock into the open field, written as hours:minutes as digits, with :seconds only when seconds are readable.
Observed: 7:01
